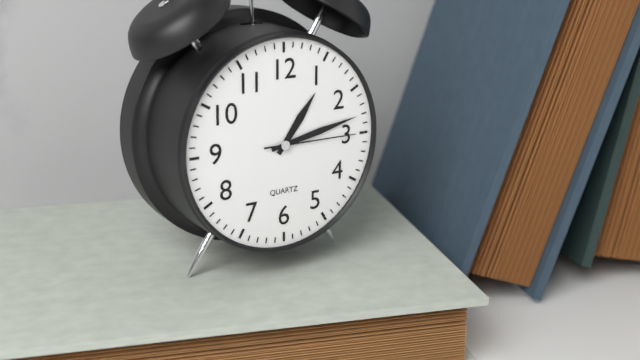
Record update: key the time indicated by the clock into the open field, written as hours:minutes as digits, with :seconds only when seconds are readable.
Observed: 1:13:15
